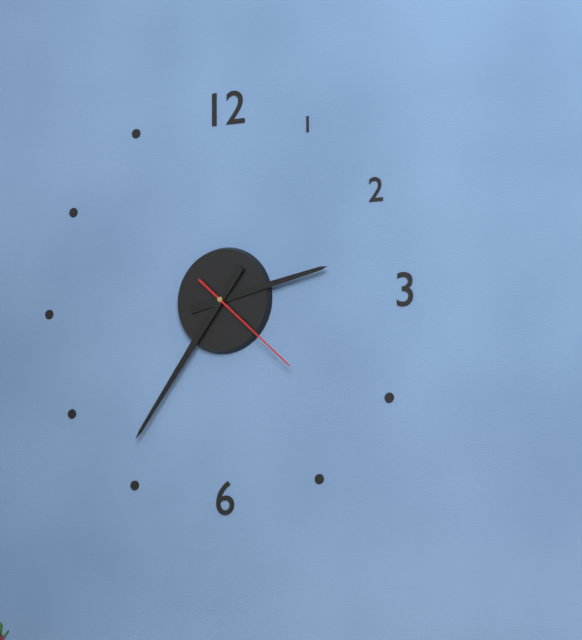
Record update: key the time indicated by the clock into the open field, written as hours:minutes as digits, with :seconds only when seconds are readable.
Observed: 2:36:22
